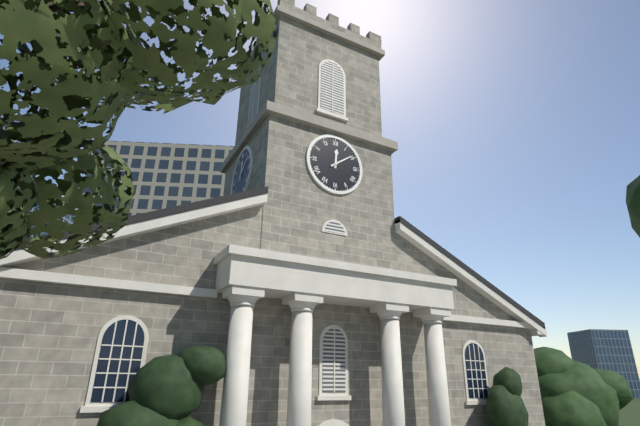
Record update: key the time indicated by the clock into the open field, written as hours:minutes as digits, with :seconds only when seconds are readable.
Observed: 12:09
